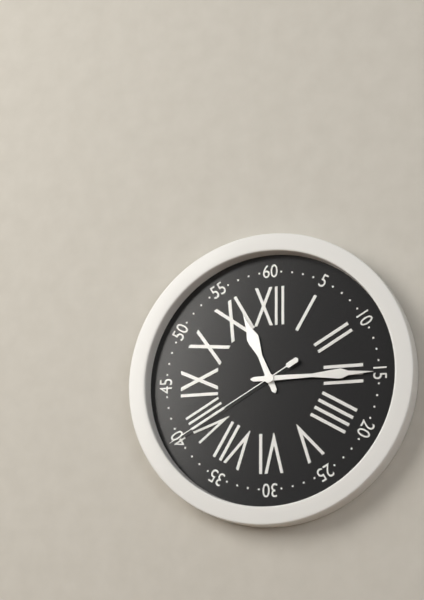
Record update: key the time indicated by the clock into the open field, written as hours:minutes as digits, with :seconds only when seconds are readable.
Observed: 11:15:40
